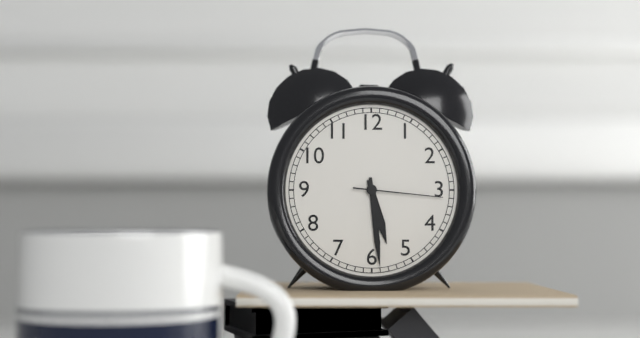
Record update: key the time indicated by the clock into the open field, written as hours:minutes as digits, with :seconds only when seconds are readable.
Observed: 5:29:16
